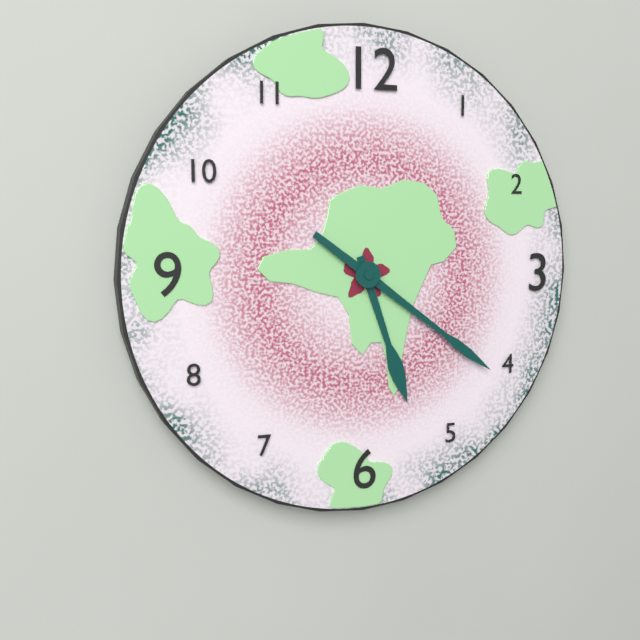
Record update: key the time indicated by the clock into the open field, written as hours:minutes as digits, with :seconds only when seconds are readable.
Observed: 5:21
